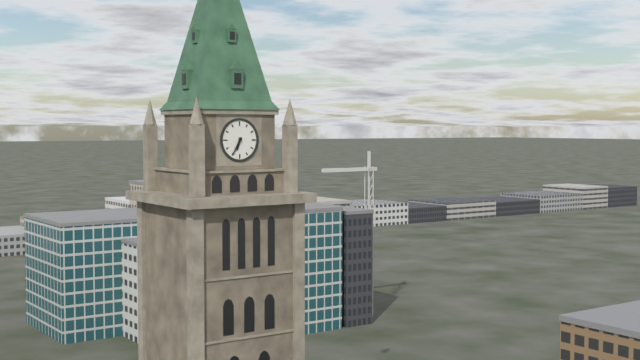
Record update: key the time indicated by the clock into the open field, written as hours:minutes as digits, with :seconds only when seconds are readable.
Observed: 6:35
